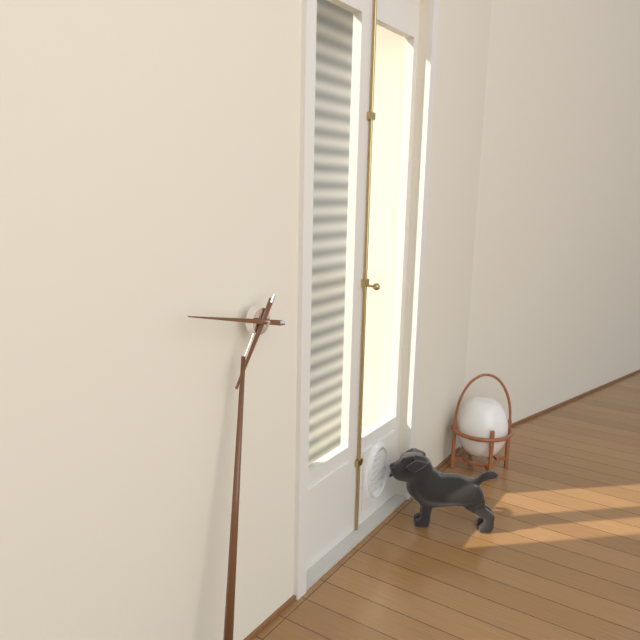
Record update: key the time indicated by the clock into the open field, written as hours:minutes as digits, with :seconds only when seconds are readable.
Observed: 6:45
